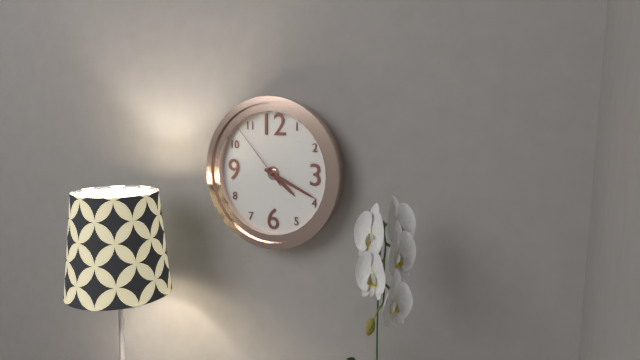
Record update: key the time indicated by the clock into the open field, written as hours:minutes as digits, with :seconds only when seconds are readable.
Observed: 4:19:53
